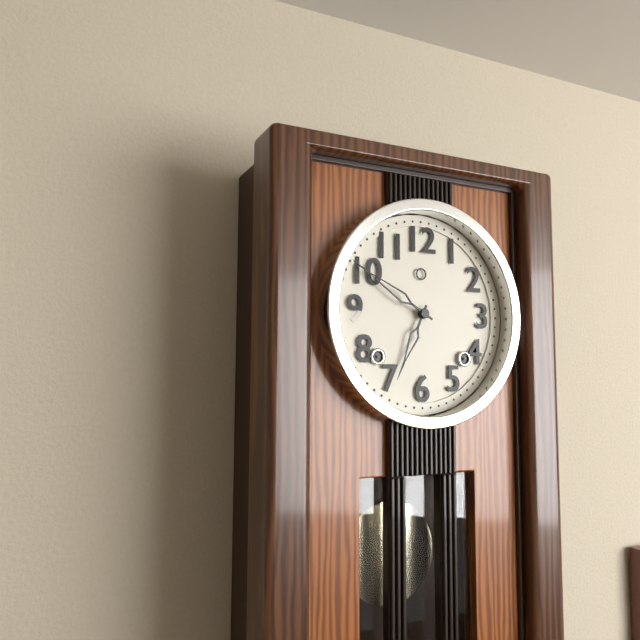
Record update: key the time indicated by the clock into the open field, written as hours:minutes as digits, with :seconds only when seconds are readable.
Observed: 6:50
